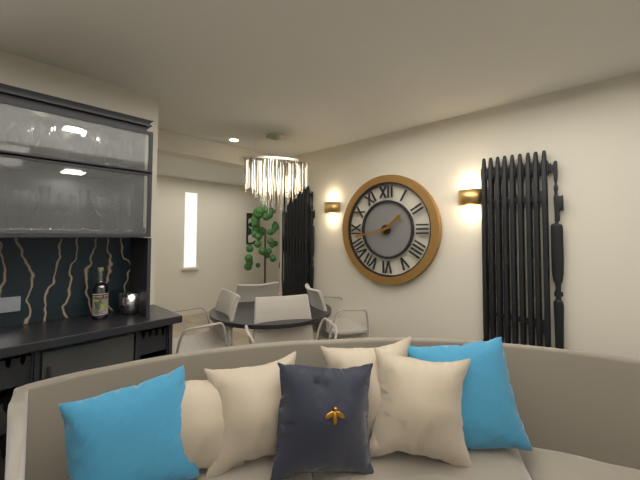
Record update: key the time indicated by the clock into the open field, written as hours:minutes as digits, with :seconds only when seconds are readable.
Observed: 1:43
